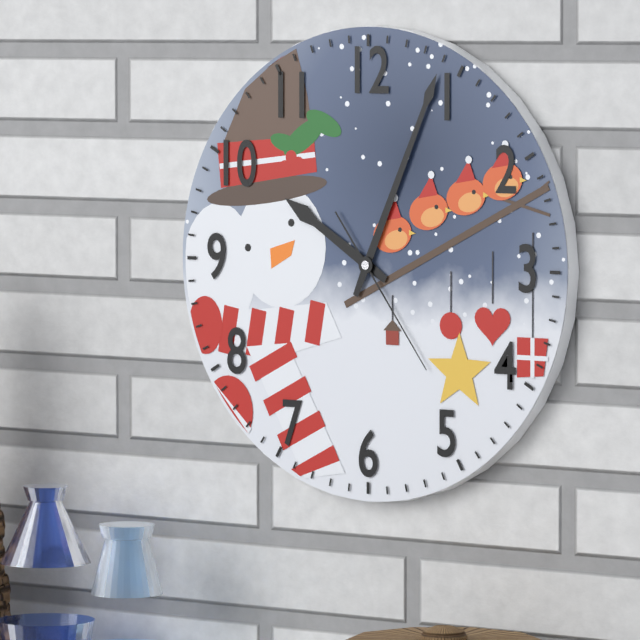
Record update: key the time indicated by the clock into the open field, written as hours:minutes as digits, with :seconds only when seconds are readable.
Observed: 10:04:24
